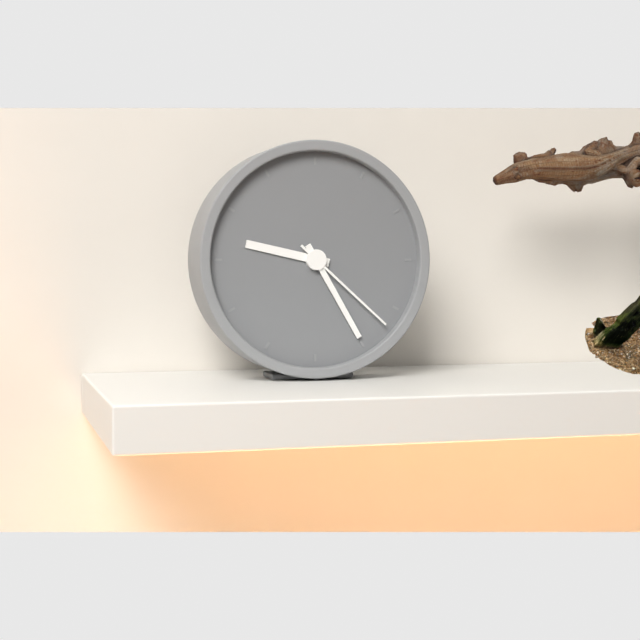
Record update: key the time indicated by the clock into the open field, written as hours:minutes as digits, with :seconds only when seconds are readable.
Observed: 9:25:22
